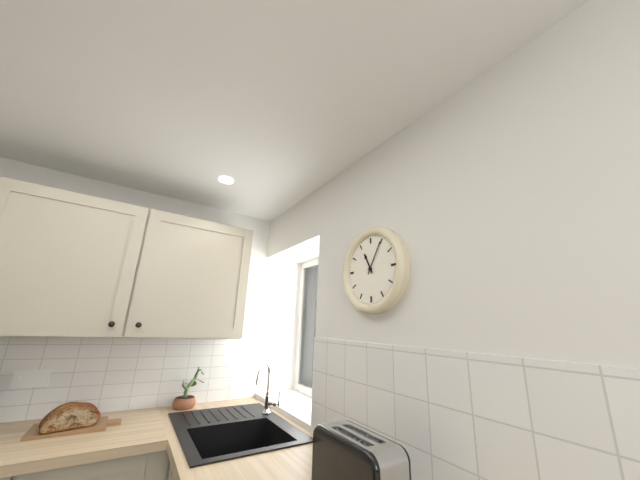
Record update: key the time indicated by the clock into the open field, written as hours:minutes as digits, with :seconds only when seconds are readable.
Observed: 11:05
